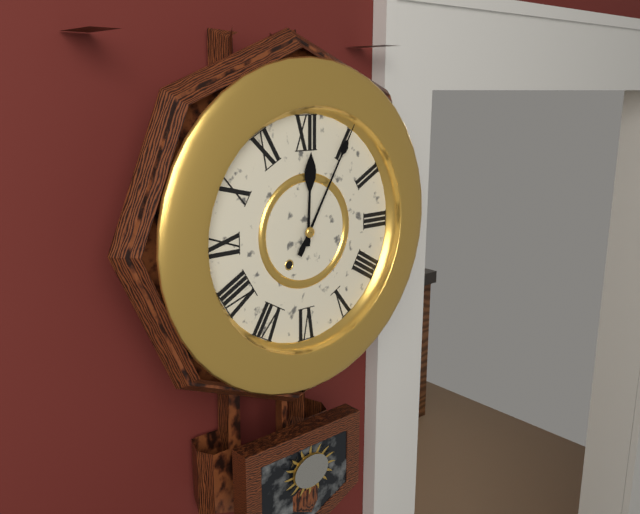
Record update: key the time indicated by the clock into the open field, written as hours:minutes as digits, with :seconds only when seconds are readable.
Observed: 12:05
